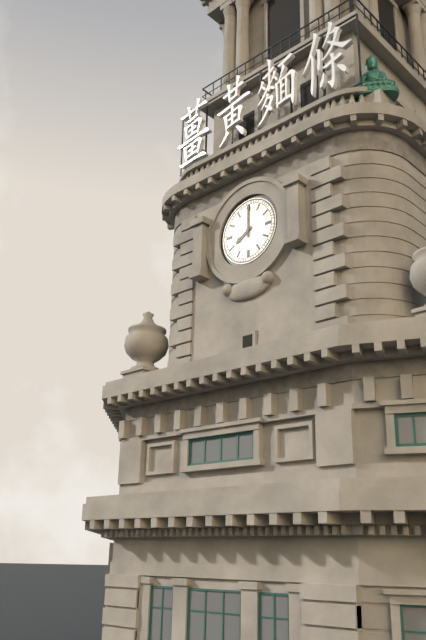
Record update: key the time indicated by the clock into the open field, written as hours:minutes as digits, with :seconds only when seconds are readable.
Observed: 8:00
